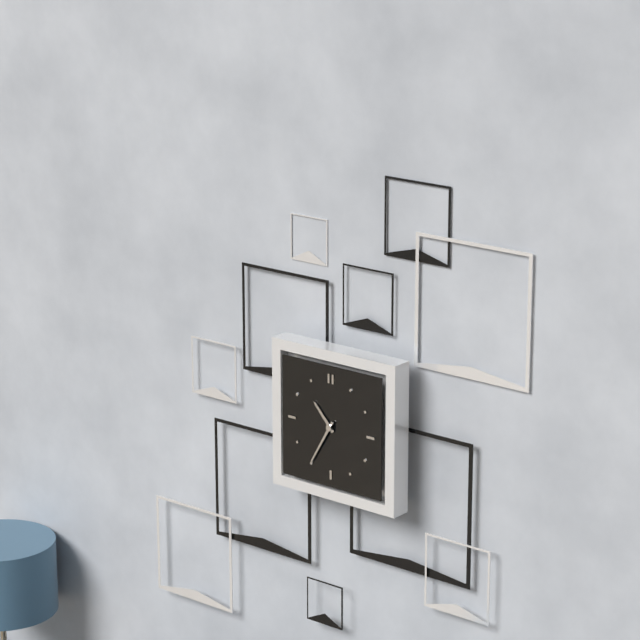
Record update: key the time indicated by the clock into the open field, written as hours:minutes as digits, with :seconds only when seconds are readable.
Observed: 10:35
